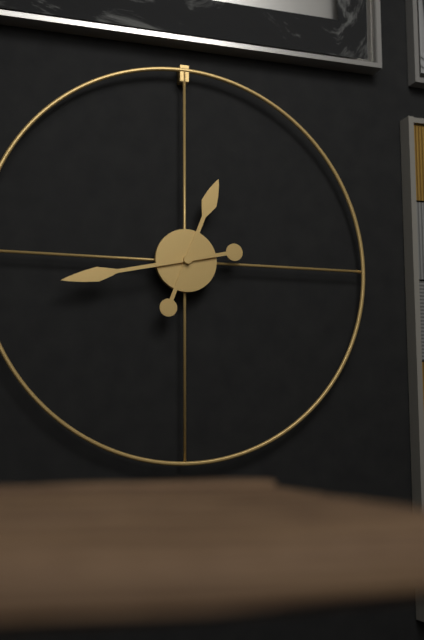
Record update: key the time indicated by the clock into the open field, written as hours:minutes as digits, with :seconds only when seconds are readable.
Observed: 12:43
